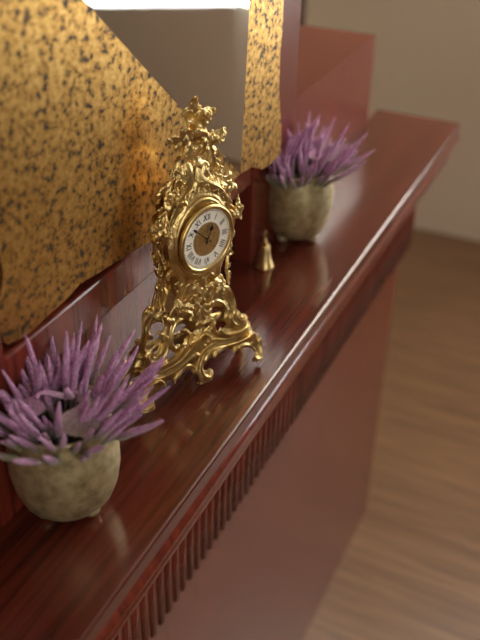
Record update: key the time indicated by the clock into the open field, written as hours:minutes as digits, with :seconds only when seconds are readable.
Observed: 12:52
